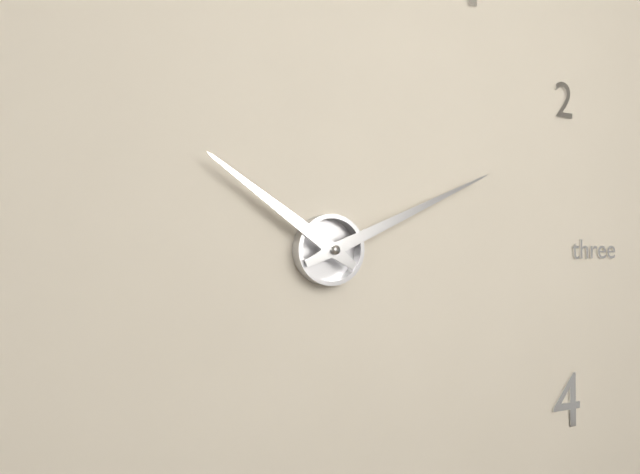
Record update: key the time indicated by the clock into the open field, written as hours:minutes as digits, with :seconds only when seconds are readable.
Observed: 10:11
